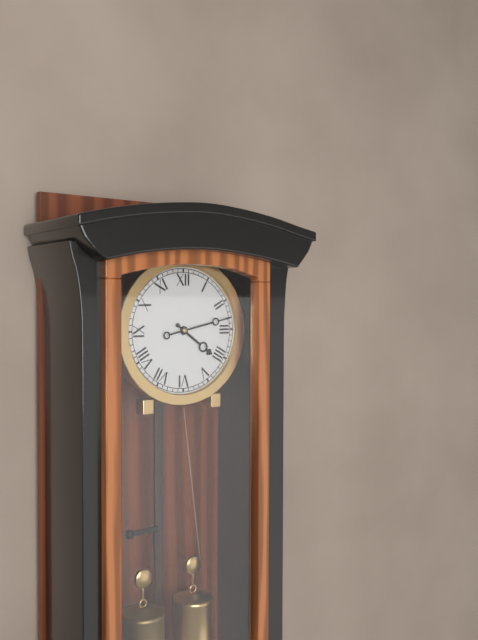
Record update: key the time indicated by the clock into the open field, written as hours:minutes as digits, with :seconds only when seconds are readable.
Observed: 4:13
